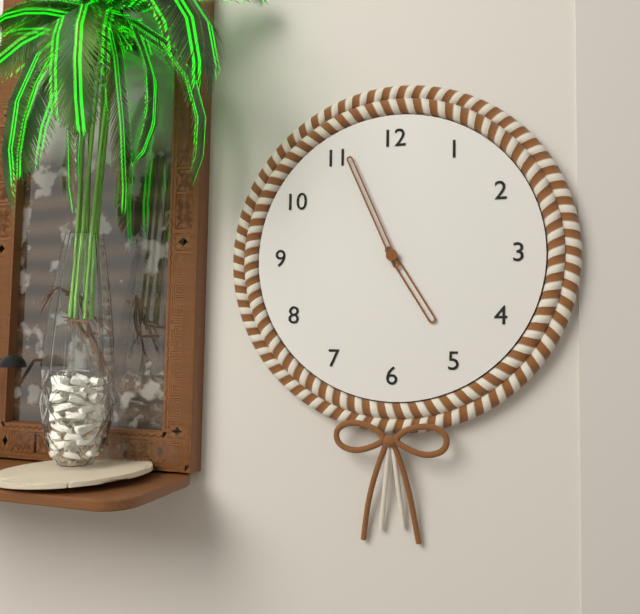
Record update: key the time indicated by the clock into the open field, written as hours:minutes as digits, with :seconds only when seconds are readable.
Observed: 4:56
